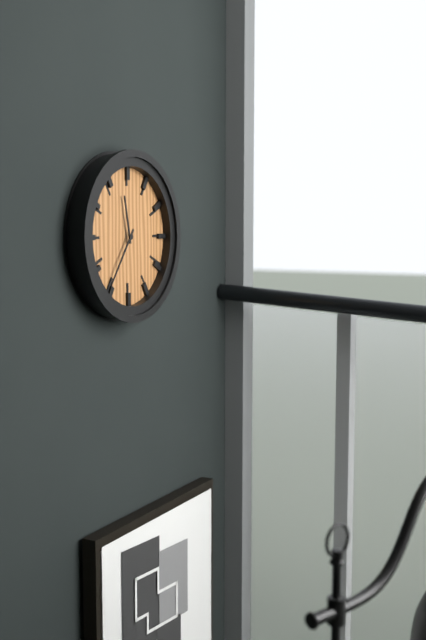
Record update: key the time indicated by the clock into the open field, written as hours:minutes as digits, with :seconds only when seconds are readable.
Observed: 11:36
